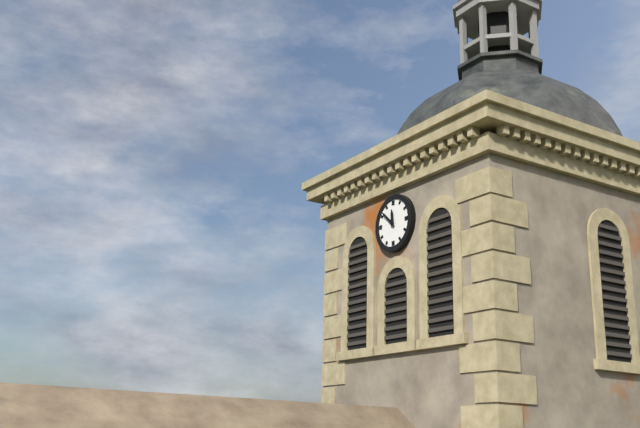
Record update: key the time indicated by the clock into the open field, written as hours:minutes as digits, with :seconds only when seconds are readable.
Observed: 11:52
